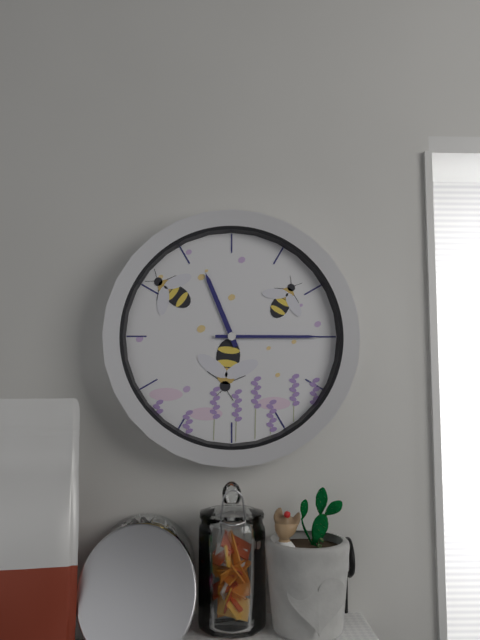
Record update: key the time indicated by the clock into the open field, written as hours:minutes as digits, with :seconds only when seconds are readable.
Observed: 11:15
